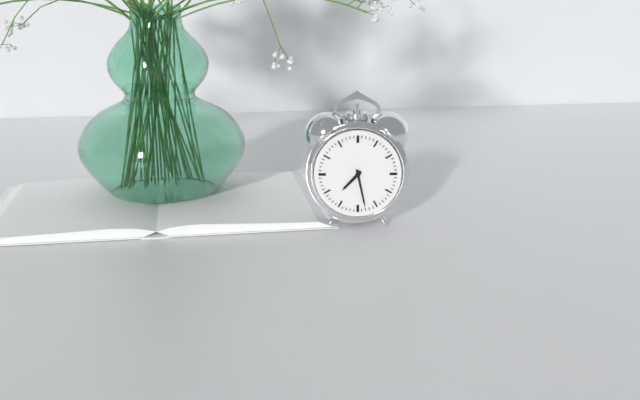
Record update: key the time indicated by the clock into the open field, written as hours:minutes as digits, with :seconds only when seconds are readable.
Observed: 7:28
